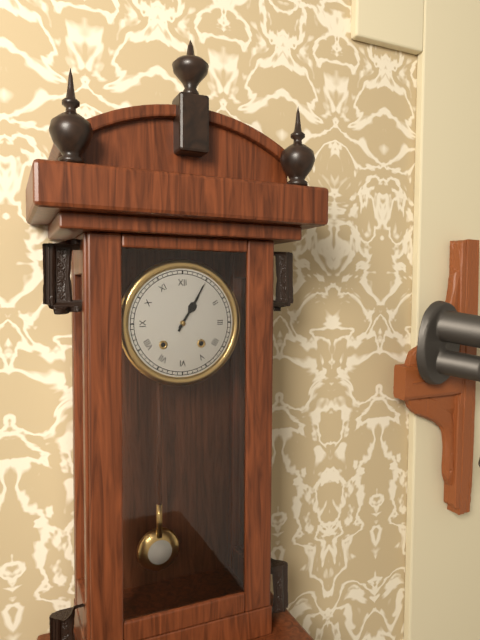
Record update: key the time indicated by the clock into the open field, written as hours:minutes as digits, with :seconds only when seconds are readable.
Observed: 1:05
